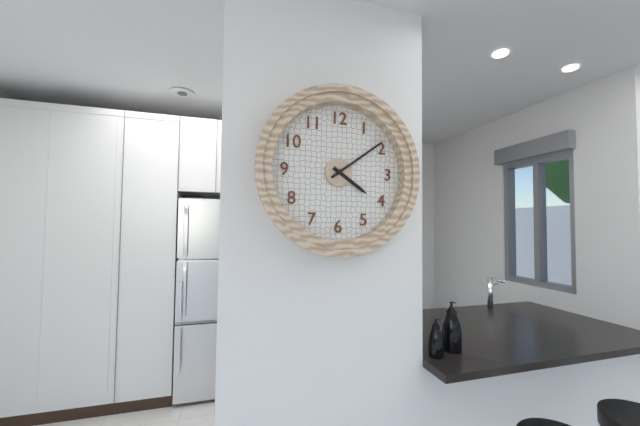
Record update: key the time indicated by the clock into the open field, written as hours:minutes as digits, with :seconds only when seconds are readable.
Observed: 4:09
